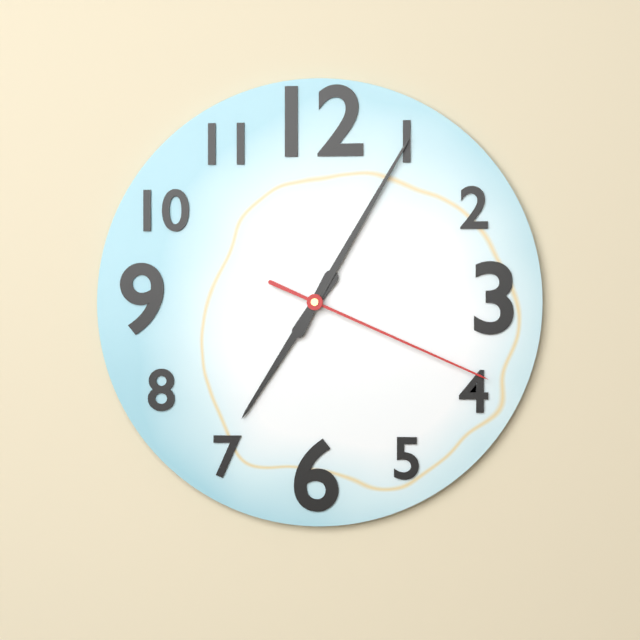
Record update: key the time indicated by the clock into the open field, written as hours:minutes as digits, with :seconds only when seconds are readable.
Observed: 7:05:19
